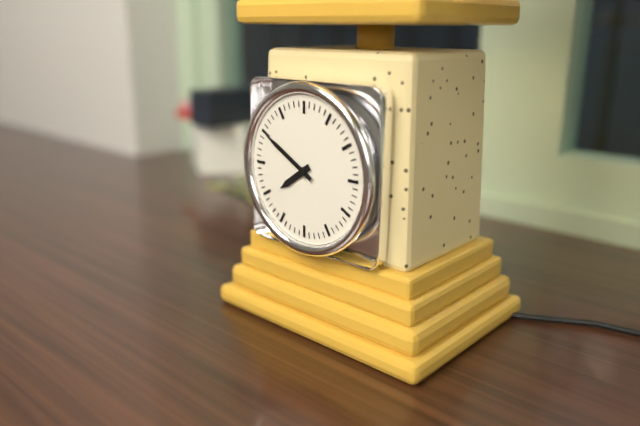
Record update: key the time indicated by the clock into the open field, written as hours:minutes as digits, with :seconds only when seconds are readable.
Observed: 7:50
